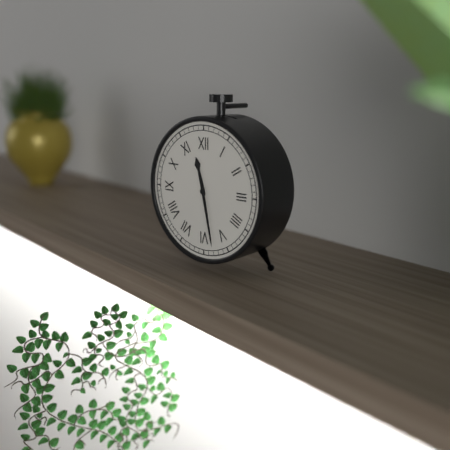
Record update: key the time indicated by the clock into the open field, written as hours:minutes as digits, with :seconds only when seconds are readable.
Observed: 11:28
